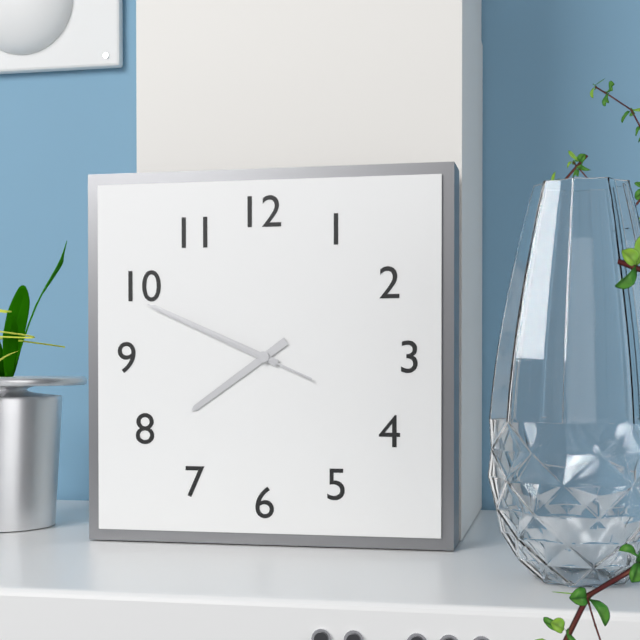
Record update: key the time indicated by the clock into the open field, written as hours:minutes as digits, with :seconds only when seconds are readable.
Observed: 7:49:49
